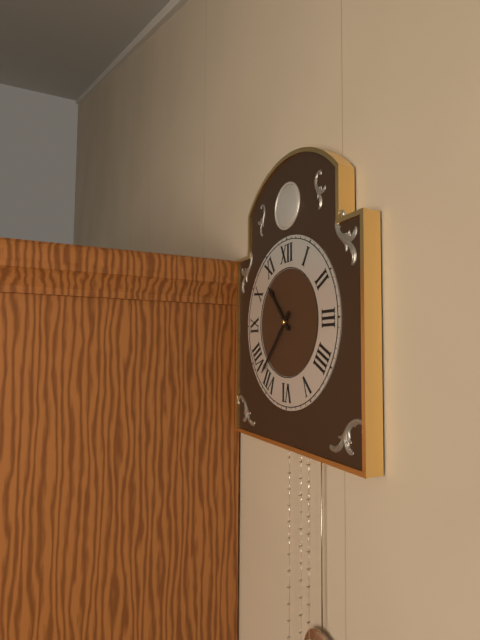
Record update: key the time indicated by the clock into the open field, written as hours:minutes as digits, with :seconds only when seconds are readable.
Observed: 10:37
